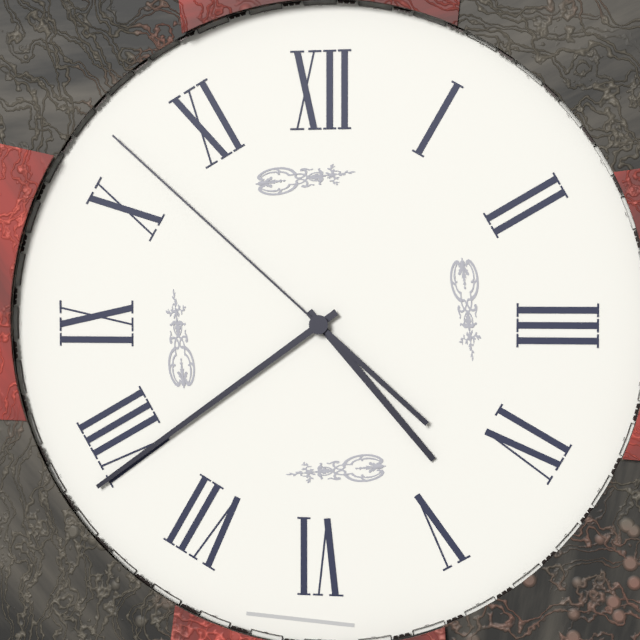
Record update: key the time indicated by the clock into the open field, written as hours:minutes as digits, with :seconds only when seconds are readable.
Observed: 4:39:52
